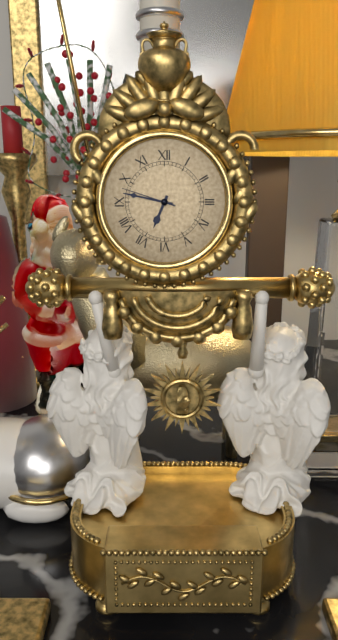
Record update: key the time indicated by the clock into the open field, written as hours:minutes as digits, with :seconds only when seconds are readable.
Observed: 6:47:48
